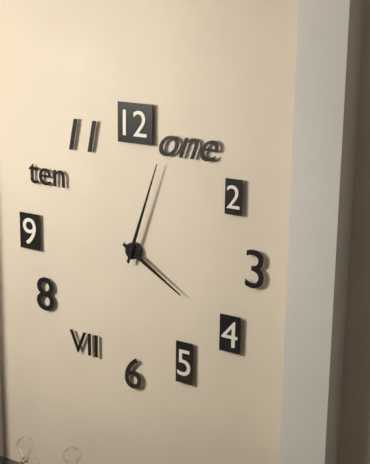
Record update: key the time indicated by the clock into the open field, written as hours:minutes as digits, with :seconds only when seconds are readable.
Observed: 4:03
